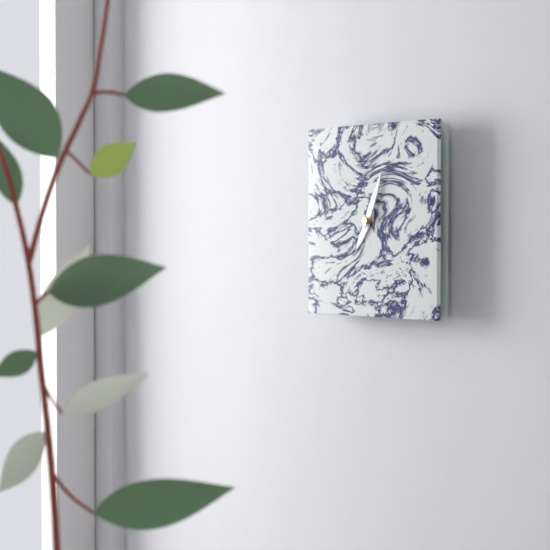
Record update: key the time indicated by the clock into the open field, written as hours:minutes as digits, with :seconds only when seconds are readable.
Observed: 7:04
